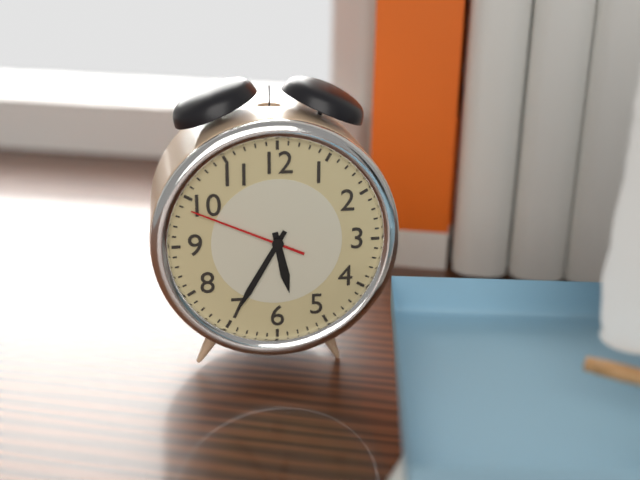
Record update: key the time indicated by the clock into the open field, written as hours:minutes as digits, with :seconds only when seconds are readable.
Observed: 5:35:49
